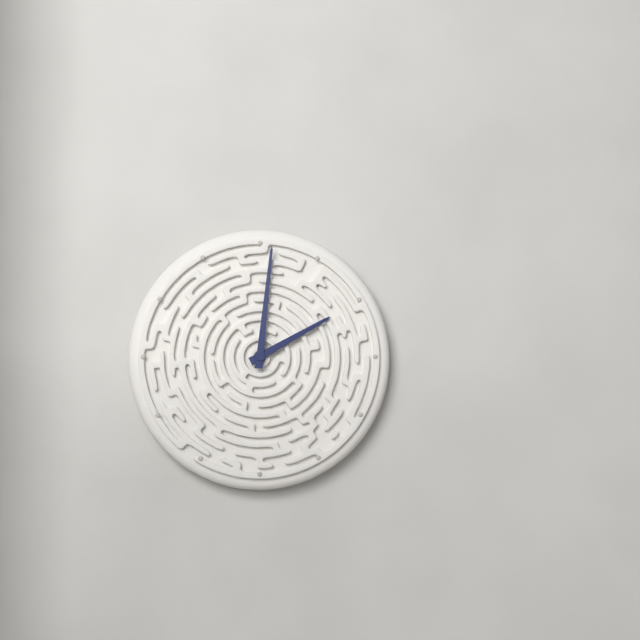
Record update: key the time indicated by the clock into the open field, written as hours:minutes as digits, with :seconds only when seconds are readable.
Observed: 2:01
